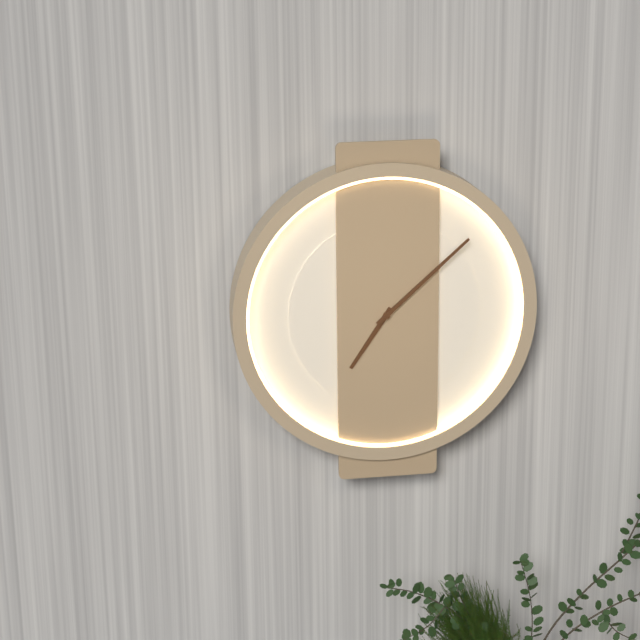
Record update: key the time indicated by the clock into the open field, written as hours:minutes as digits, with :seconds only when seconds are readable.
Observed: 7:08
